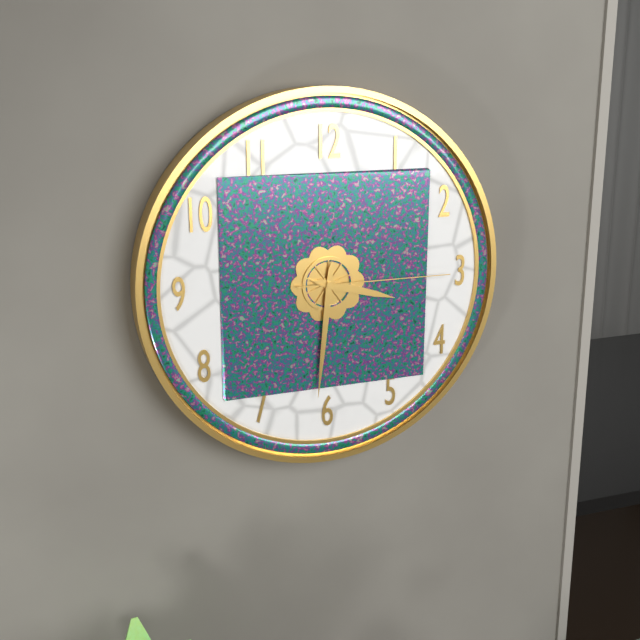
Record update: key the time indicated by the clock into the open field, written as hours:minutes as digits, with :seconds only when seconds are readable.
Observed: 3:31:15
